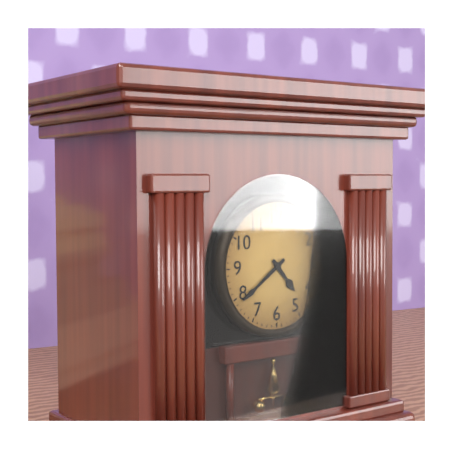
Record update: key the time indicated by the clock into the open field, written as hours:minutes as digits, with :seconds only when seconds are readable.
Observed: 4:39
